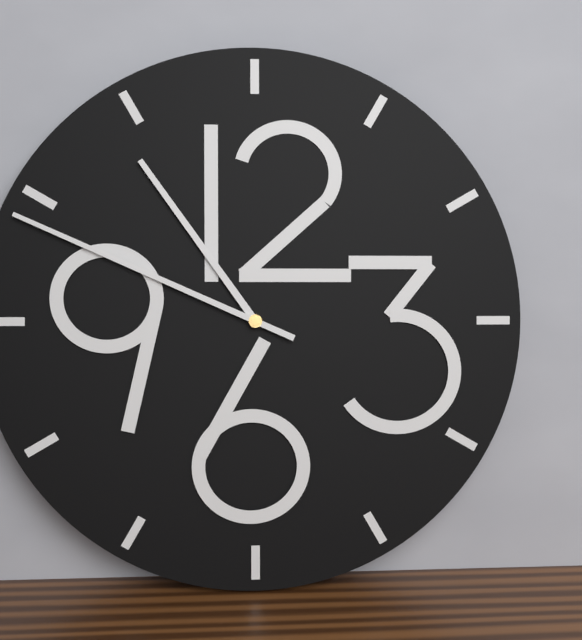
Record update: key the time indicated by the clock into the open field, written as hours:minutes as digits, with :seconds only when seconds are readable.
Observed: 10:49
